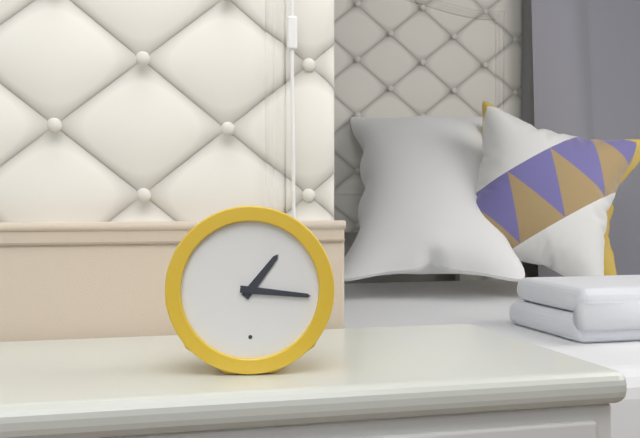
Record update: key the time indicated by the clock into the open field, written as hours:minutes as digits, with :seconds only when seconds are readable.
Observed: 1:16
